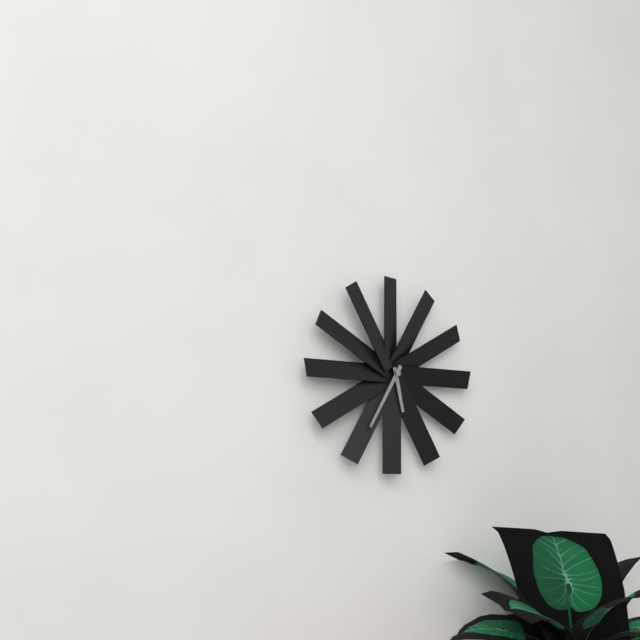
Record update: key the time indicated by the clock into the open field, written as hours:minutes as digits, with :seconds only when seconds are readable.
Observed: 5:35
